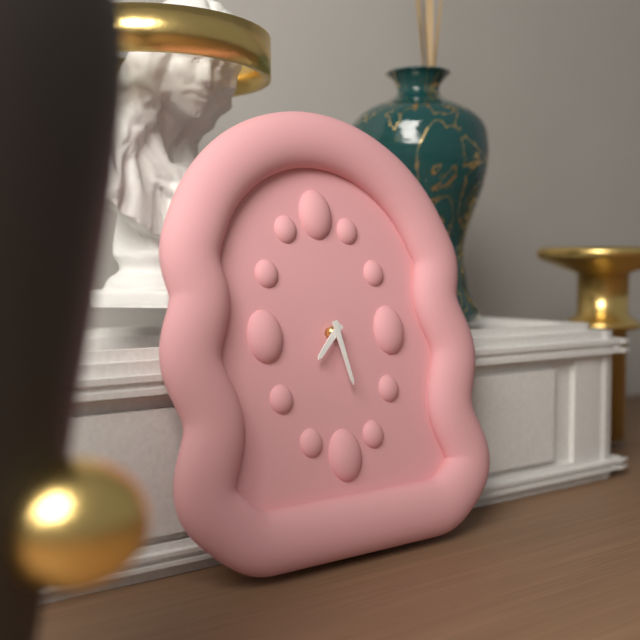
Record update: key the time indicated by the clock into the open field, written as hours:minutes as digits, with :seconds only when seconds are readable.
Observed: 7:28
